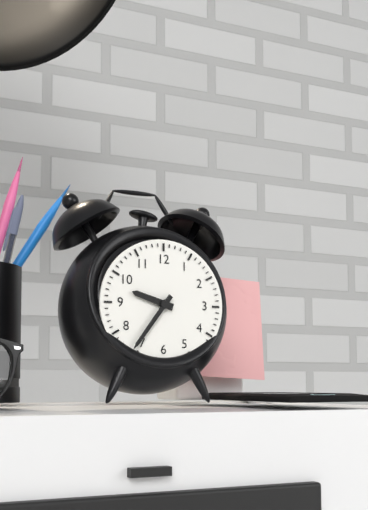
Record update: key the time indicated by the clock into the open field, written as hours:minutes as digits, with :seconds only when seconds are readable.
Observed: 9:36
